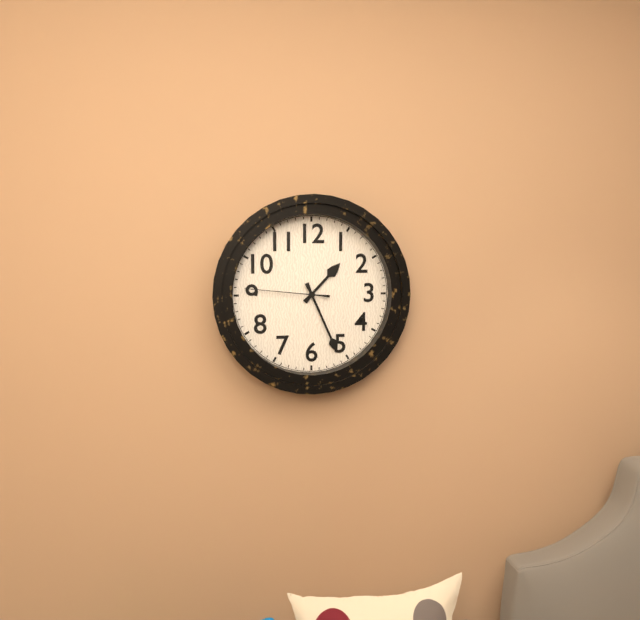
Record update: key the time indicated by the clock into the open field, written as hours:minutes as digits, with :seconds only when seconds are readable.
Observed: 1:26:46
